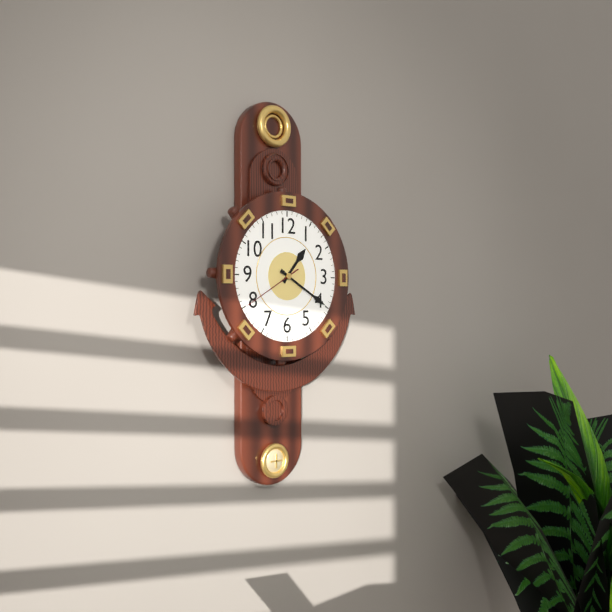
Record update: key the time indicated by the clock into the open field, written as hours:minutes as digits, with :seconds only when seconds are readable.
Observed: 1:20:40
